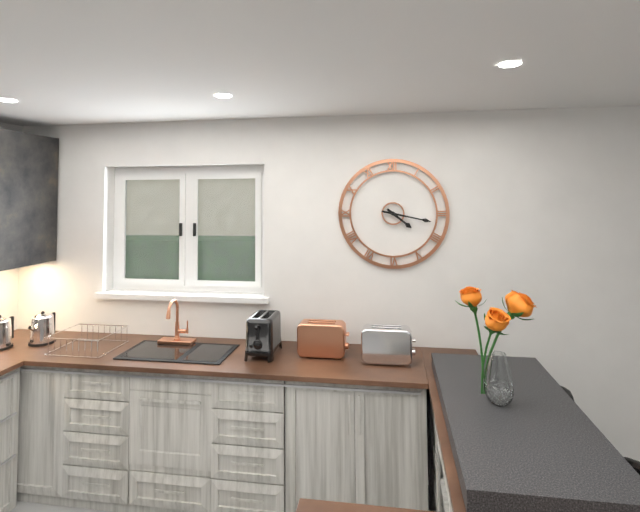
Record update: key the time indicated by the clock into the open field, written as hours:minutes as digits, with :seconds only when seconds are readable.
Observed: 4:17
